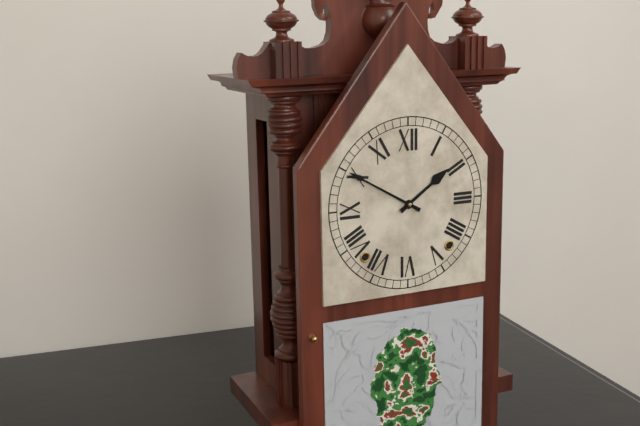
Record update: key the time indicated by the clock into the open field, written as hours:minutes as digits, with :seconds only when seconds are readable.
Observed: 1:50
